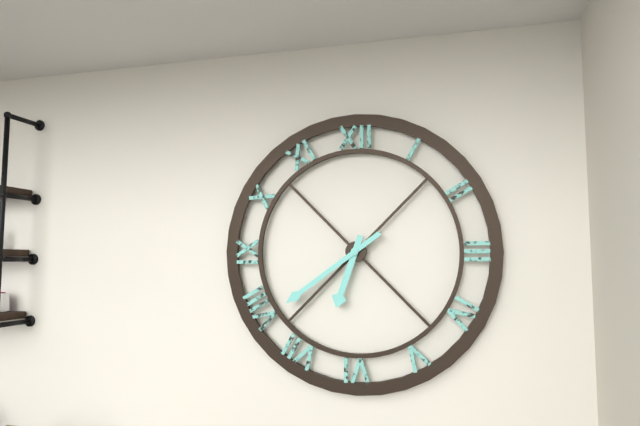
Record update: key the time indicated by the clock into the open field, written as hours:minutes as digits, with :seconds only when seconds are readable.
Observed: 6:39
